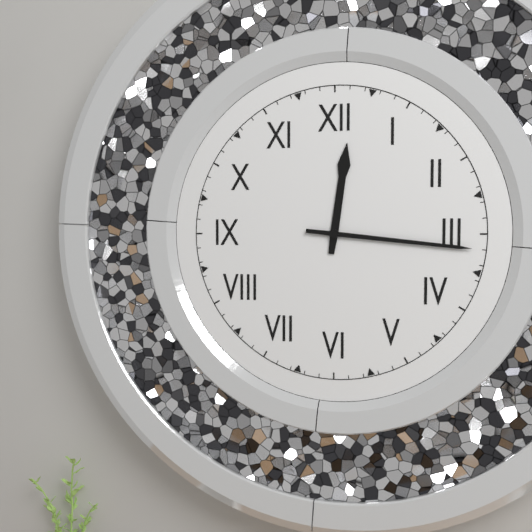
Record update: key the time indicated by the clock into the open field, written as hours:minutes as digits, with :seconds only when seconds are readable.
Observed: 12:16
